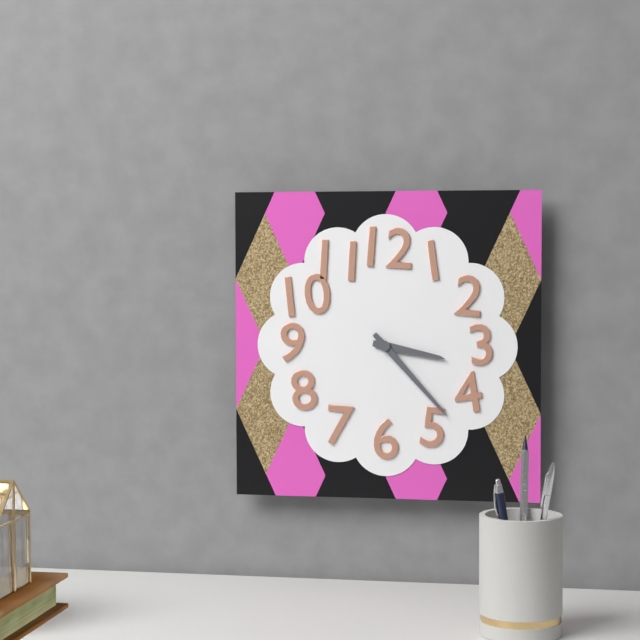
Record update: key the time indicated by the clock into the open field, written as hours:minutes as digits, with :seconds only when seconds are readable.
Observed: 3:23
